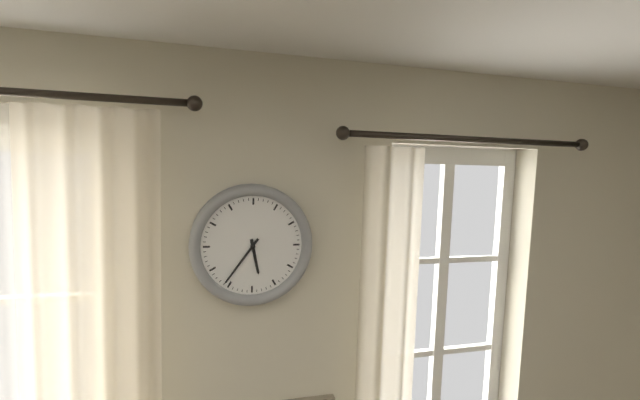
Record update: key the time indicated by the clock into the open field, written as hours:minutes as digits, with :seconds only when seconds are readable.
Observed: 5:36
